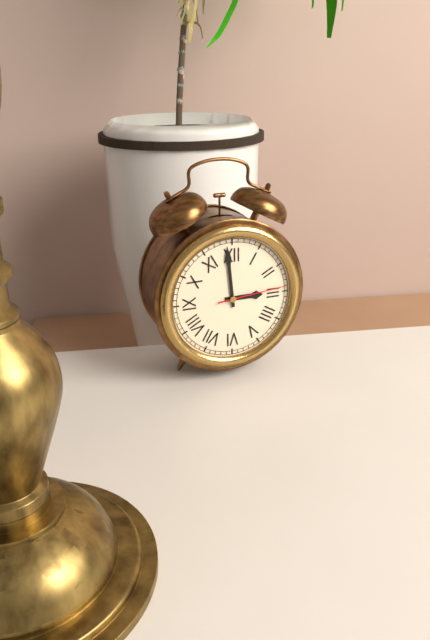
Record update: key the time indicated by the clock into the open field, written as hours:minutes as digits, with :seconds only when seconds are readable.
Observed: 2:59:14
